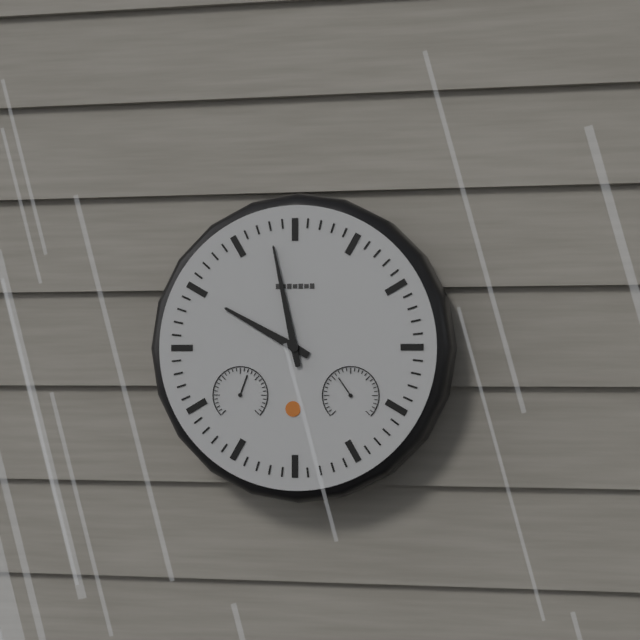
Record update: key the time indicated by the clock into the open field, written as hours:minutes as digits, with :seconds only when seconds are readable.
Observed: 9:58
